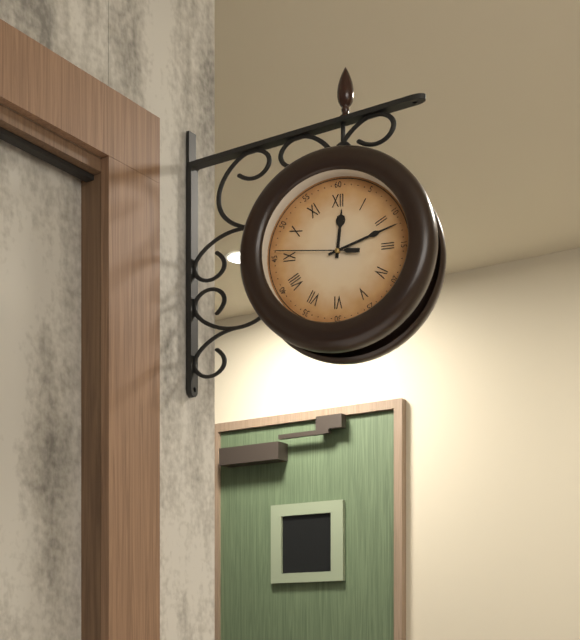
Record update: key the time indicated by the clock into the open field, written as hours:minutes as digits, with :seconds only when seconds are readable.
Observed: 12:12:46
